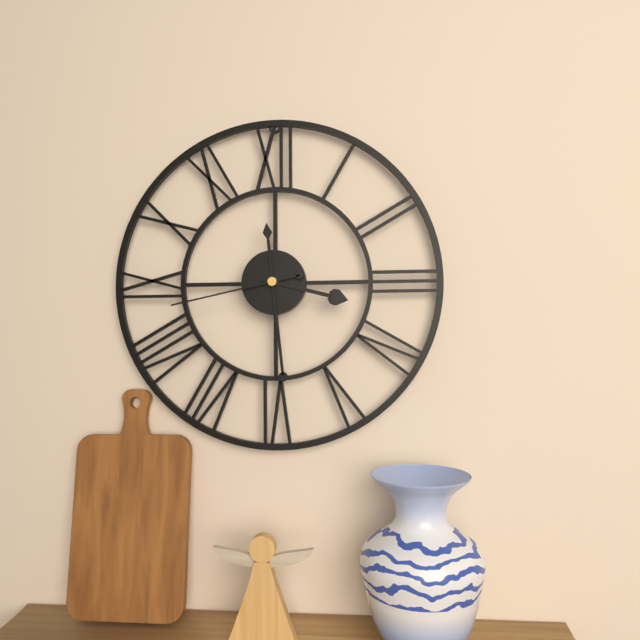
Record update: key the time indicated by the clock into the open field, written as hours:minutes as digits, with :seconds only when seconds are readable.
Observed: 3:29:43
